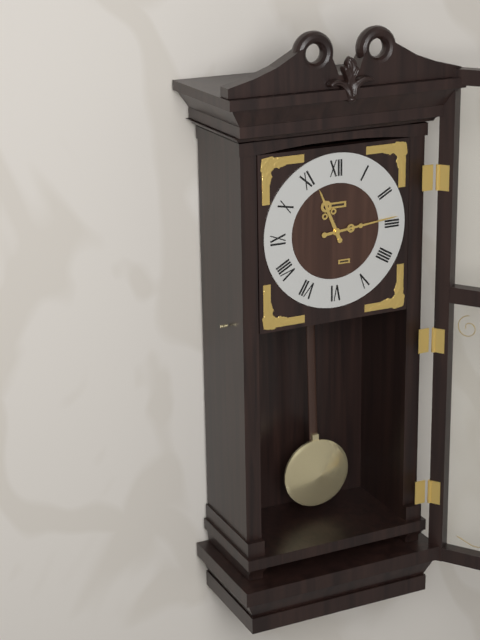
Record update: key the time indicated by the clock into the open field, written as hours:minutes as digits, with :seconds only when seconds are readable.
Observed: 11:14
